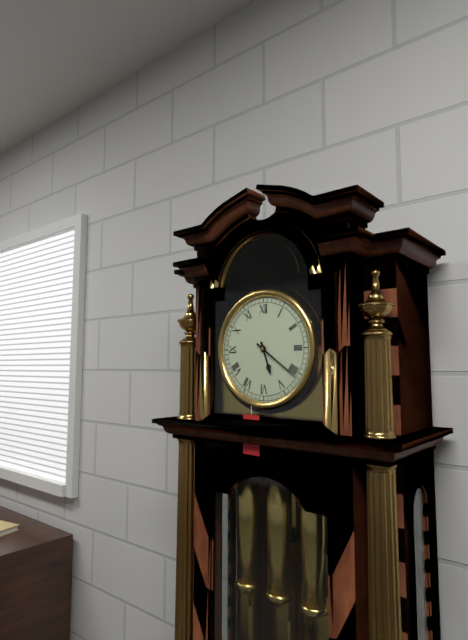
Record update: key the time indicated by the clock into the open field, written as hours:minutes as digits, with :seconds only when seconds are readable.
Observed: 5:21
